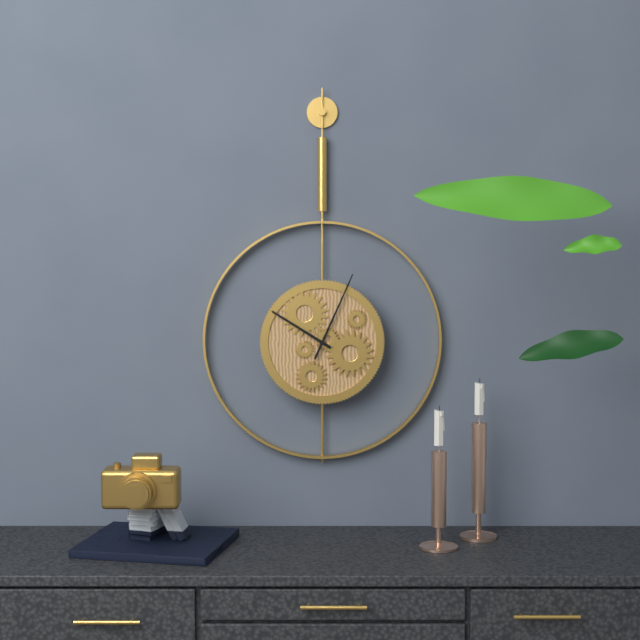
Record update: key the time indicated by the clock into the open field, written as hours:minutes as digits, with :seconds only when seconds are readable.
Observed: 10:04
